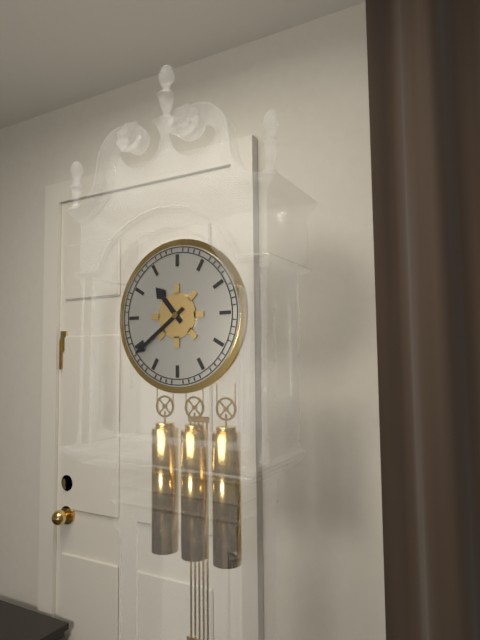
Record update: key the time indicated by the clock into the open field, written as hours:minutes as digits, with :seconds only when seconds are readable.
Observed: 10:39
